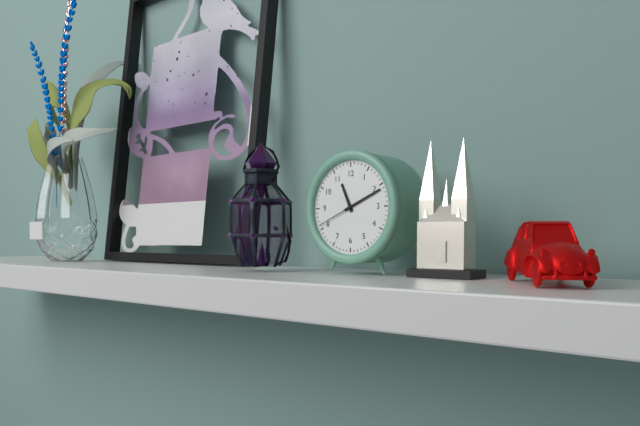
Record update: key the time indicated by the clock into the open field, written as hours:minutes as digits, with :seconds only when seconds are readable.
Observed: 11:11
